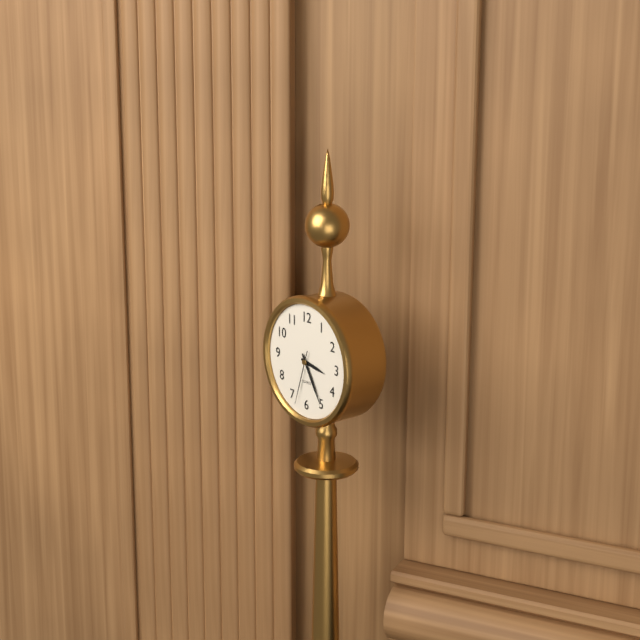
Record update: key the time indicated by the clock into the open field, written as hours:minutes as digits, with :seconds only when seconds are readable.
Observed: 3:25:33
